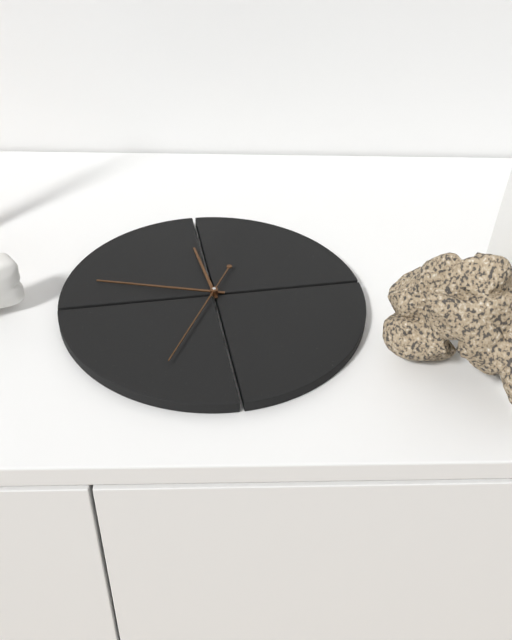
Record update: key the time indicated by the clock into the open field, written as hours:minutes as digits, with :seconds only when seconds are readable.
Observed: 11:48:35
